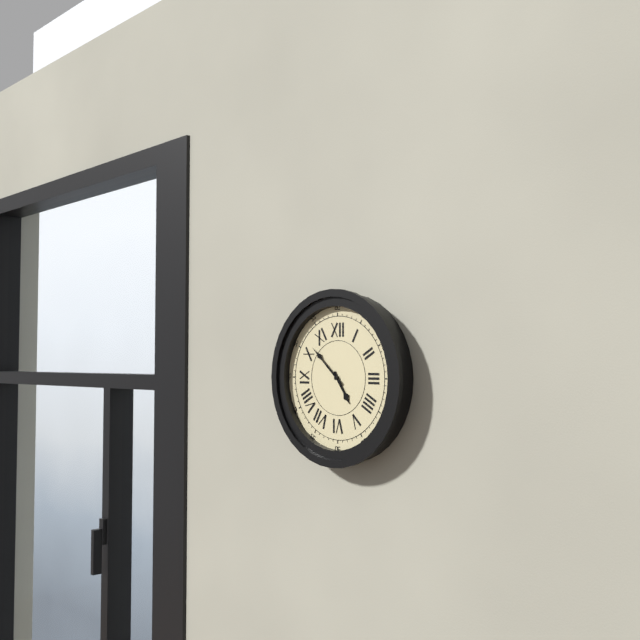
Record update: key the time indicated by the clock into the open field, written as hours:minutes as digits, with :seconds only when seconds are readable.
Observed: 4:52
